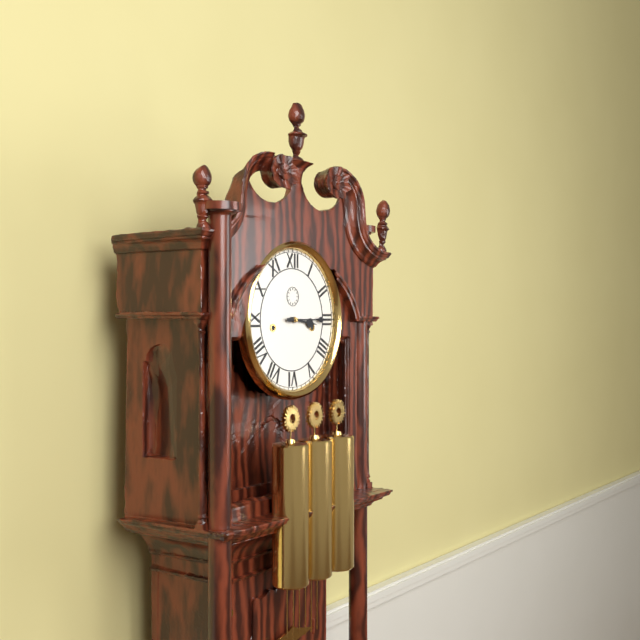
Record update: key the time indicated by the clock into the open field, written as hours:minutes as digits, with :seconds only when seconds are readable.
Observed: 3:15
